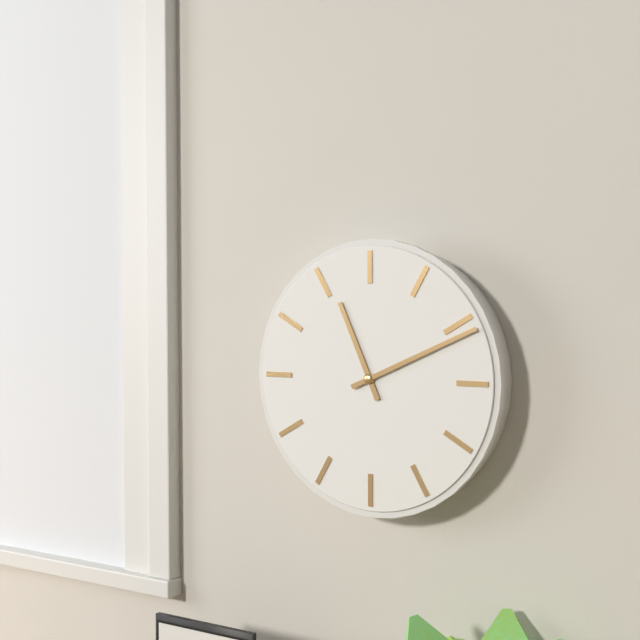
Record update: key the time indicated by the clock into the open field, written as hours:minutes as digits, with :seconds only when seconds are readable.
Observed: 11:11
